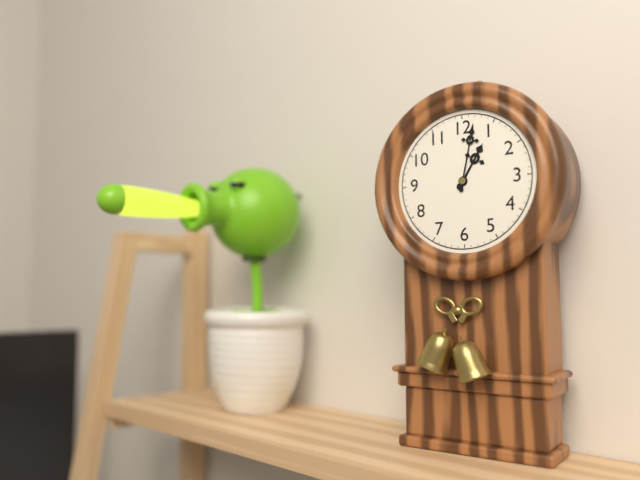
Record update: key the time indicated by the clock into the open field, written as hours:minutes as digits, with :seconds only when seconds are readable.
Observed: 1:02
